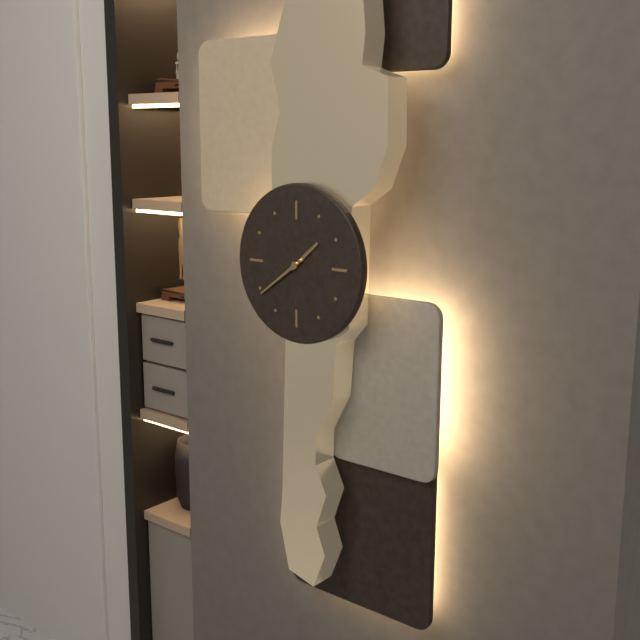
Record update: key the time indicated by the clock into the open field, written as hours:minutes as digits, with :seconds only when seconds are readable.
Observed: 1:39
